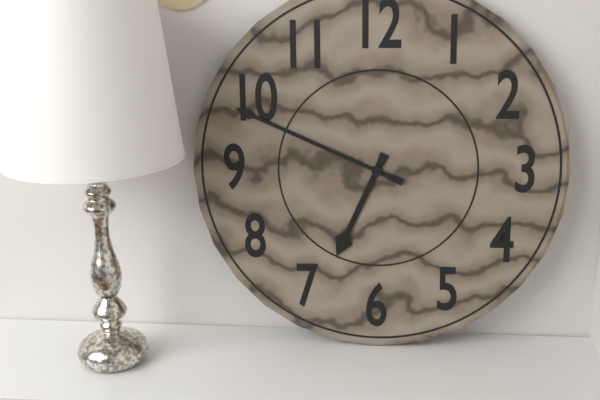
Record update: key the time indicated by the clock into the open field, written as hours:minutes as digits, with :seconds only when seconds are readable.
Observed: 6:49
